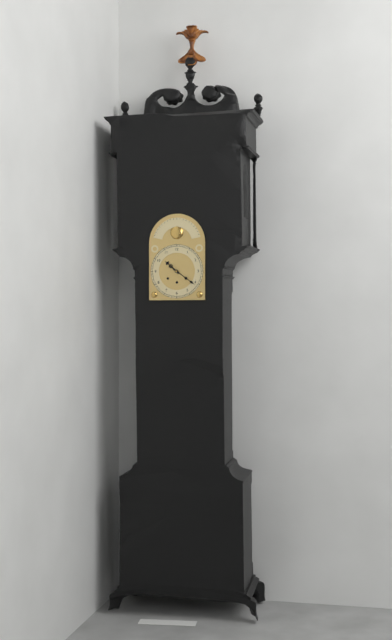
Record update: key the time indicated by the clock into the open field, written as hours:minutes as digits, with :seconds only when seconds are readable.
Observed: 10:21
